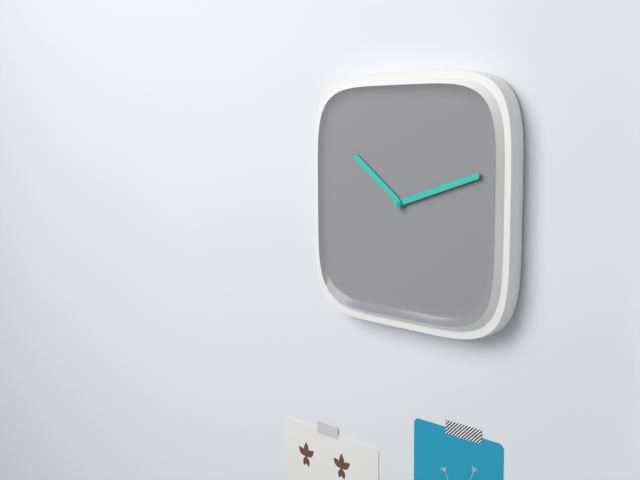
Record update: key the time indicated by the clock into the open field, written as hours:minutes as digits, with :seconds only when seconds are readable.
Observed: 10:12
